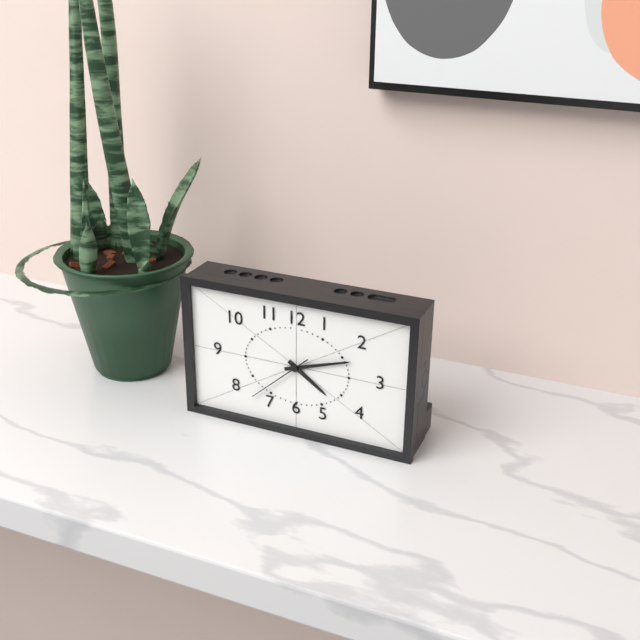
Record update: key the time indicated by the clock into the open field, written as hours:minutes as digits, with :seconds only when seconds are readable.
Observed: 4:12:38
